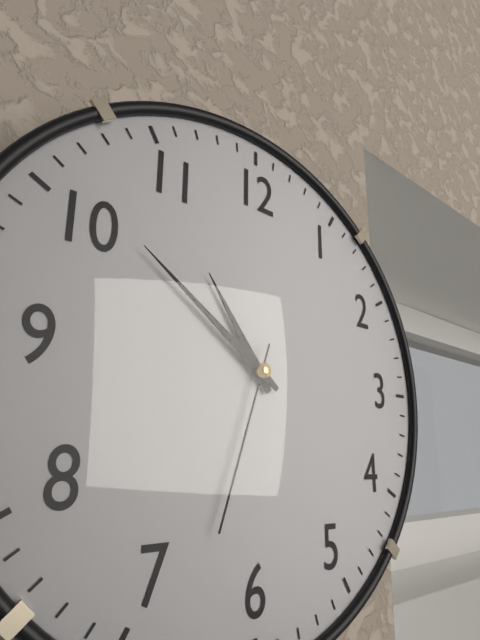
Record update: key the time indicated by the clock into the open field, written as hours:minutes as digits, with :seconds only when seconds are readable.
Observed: 10:51:33
